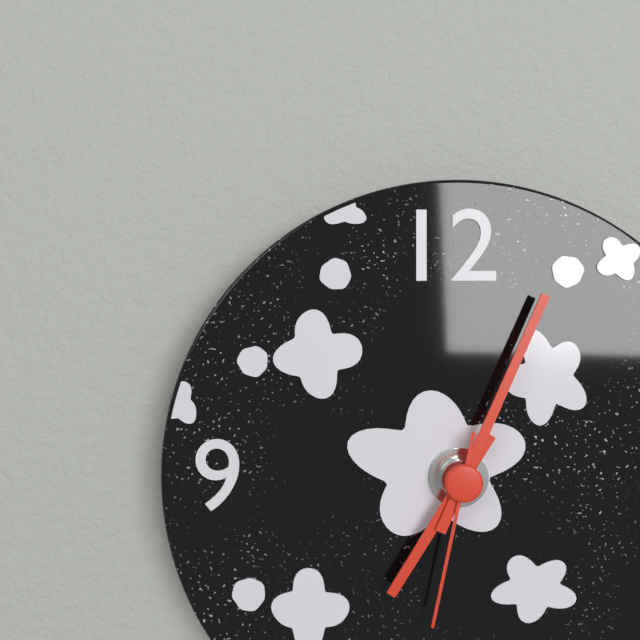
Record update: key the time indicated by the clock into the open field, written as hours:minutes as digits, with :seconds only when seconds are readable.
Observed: 7:04:32
